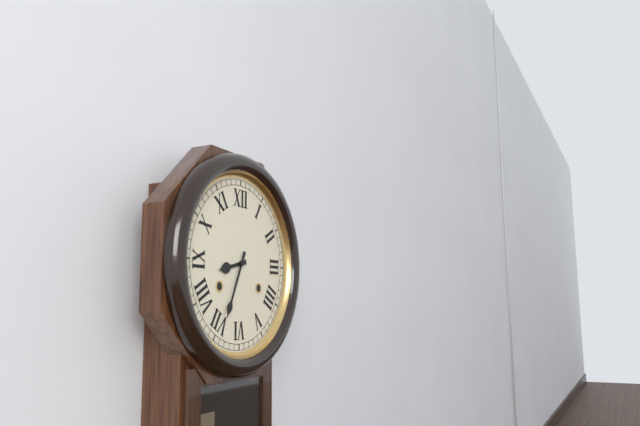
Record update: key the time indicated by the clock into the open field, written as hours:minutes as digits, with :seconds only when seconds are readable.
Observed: 8:34
